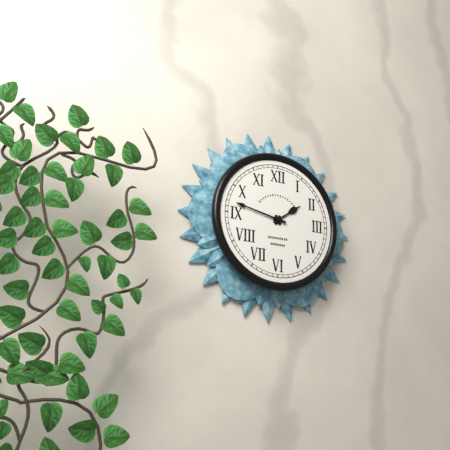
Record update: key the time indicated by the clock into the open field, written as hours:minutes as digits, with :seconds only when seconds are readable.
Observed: 1:47
